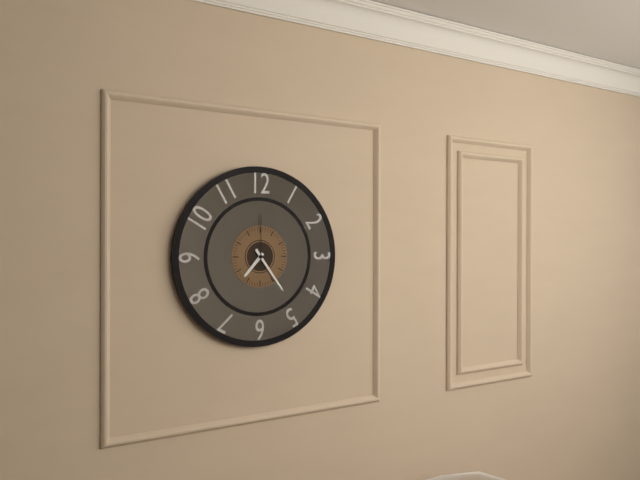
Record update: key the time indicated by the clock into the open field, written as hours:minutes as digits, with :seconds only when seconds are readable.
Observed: 7:24:00
